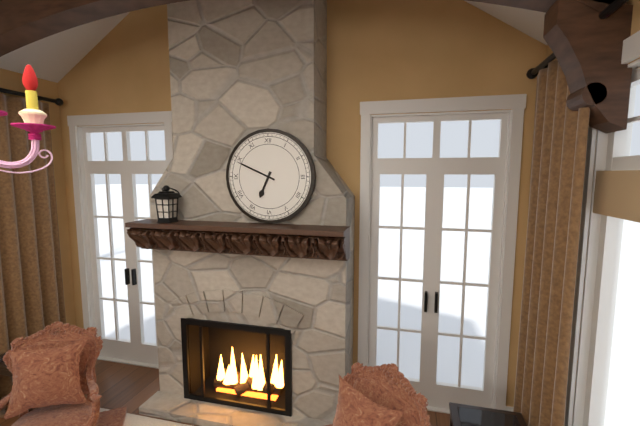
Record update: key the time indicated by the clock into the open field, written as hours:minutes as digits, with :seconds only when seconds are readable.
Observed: 6:49
